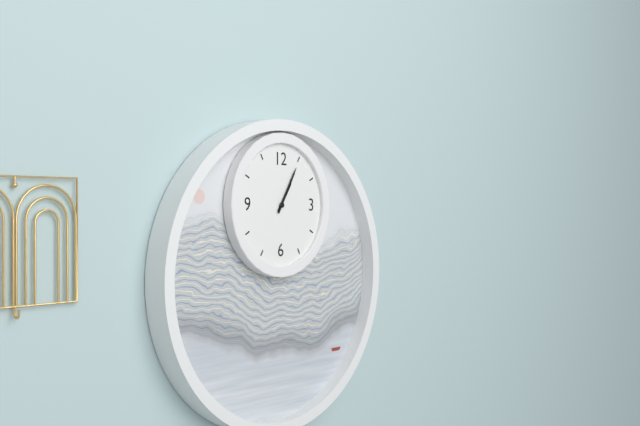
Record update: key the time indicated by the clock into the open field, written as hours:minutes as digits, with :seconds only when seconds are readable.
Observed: 1:05
